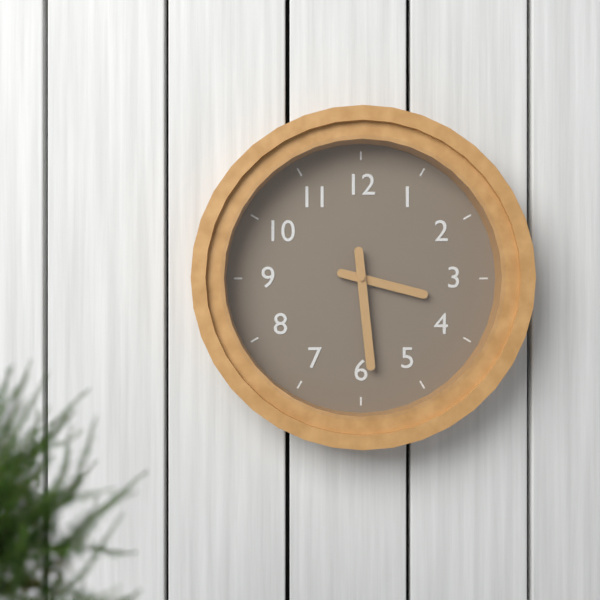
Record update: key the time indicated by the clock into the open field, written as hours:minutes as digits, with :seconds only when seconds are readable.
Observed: 3:29
